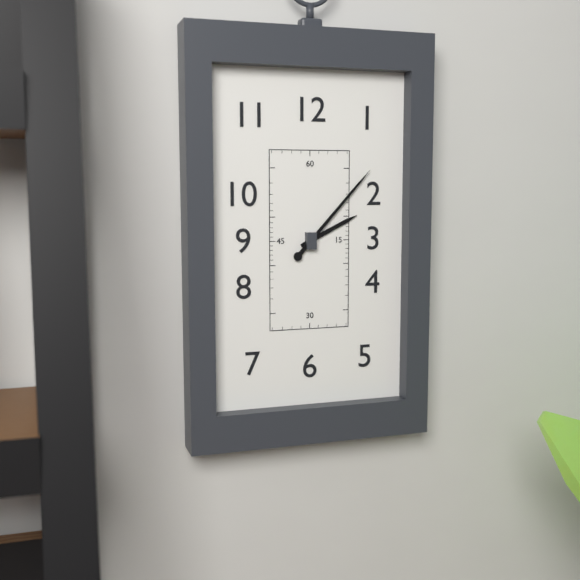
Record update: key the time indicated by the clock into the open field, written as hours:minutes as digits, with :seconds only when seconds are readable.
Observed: 2:07
